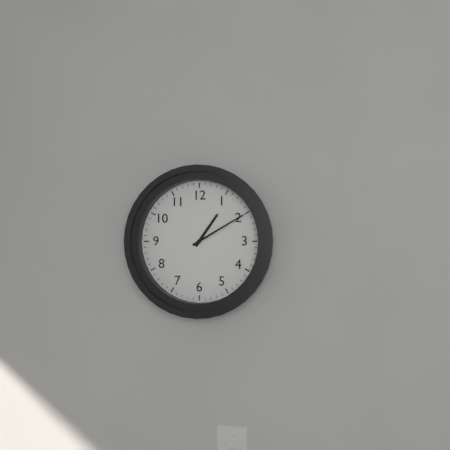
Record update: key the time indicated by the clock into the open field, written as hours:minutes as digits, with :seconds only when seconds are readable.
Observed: 1:10
